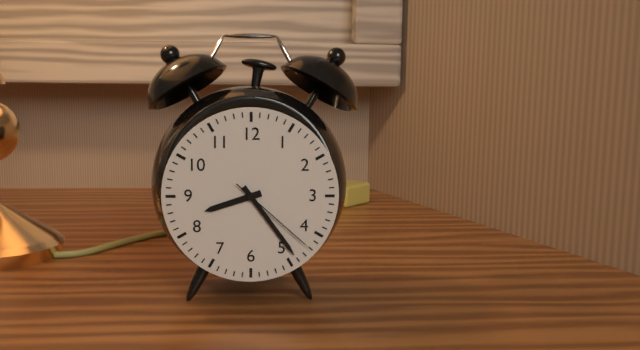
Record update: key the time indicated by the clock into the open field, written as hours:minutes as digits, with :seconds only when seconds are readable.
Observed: 8:24:22
